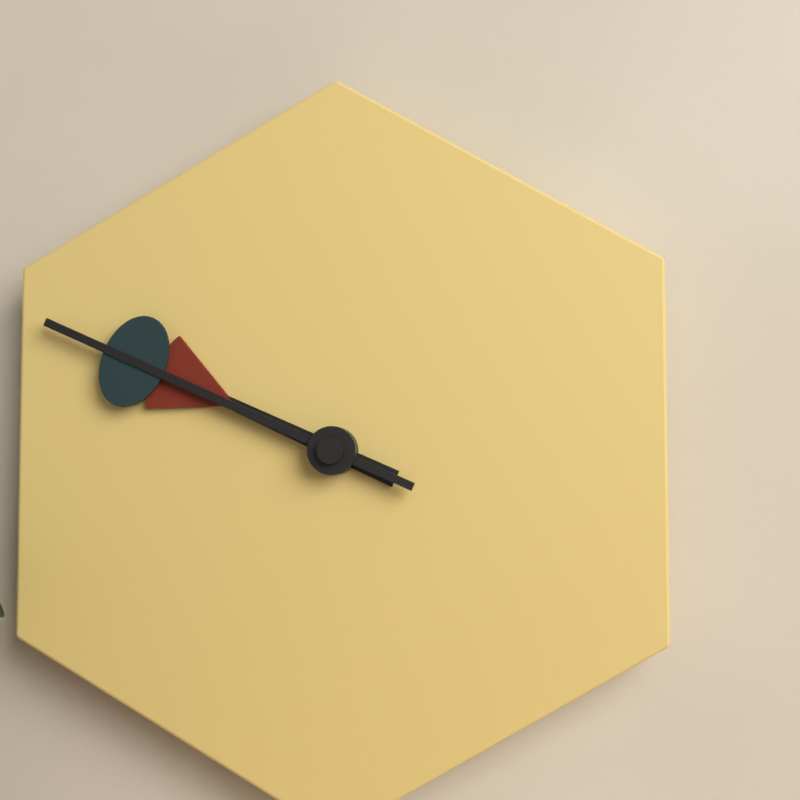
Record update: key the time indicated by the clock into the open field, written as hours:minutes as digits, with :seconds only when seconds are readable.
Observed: 9:49
